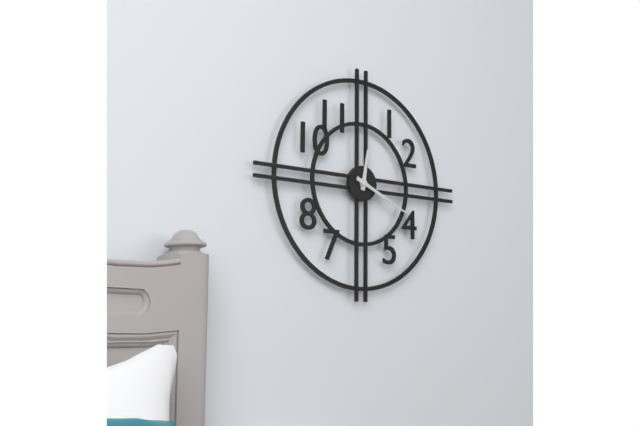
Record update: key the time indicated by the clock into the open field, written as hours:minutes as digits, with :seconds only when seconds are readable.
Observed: 12:19
